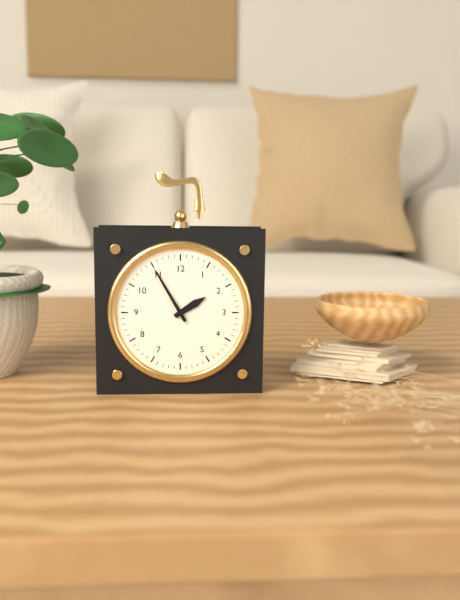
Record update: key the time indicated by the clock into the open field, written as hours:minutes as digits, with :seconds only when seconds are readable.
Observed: 1:55
